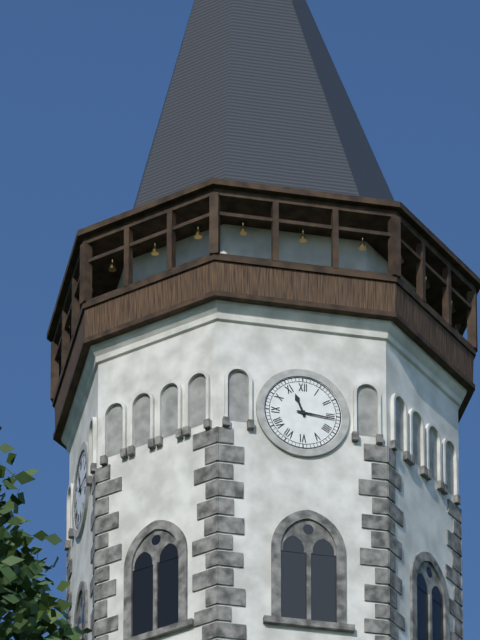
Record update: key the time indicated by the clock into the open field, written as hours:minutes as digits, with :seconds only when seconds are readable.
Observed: 11:16
